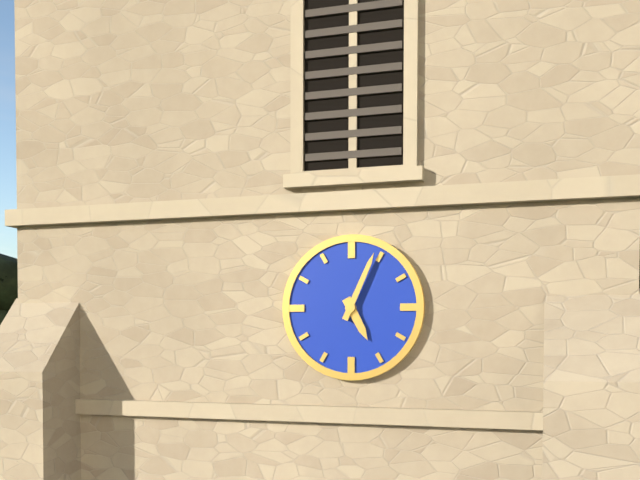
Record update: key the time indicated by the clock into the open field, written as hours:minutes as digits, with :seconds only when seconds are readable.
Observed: 5:04
